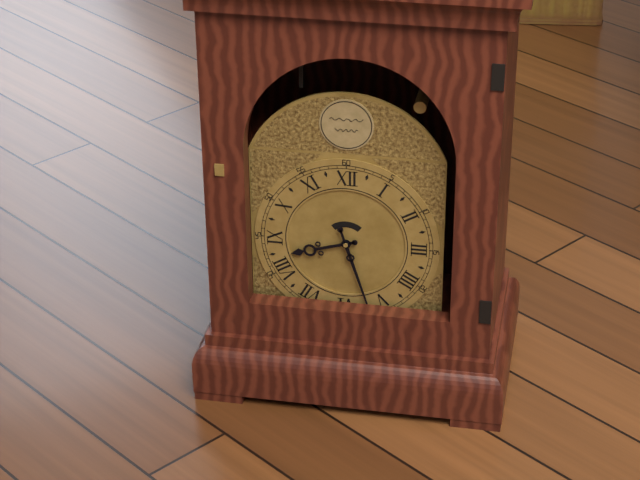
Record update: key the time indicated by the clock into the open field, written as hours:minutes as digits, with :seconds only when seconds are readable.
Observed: 8:27
